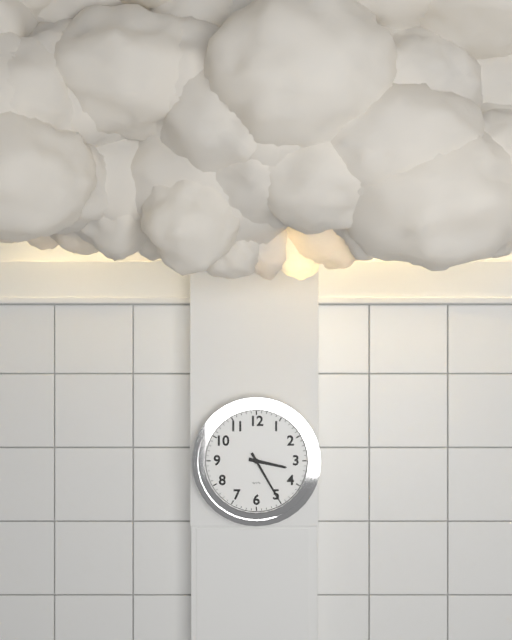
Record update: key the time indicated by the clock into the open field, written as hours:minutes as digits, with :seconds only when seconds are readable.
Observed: 3:25
